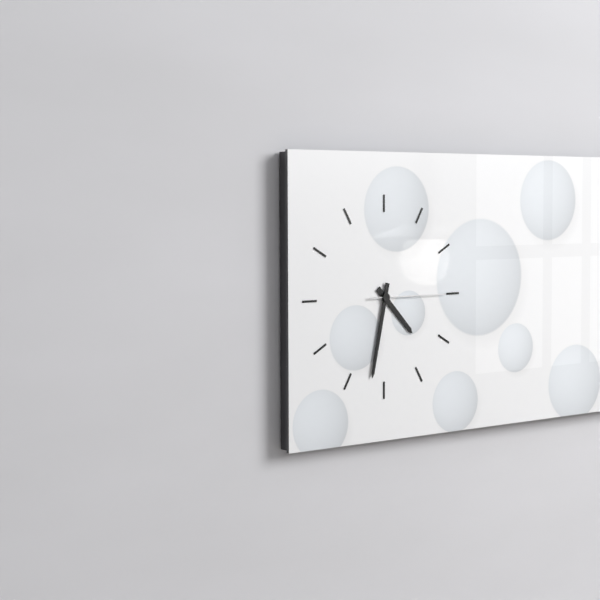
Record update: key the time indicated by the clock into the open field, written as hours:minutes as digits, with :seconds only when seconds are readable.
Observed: 4:32:15
